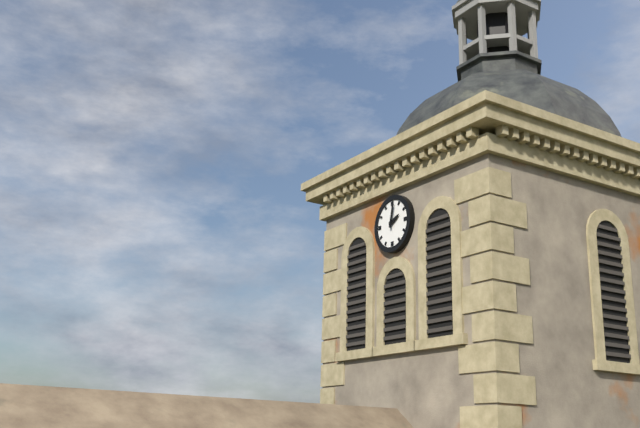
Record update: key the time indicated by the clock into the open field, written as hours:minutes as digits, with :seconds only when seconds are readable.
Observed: 2:02
